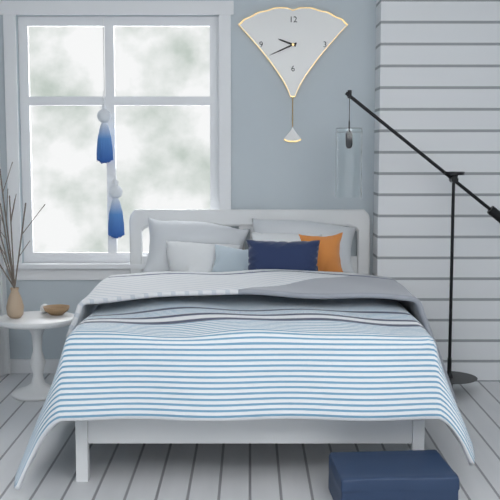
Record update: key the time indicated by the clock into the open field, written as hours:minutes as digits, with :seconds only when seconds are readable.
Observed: 9:41
